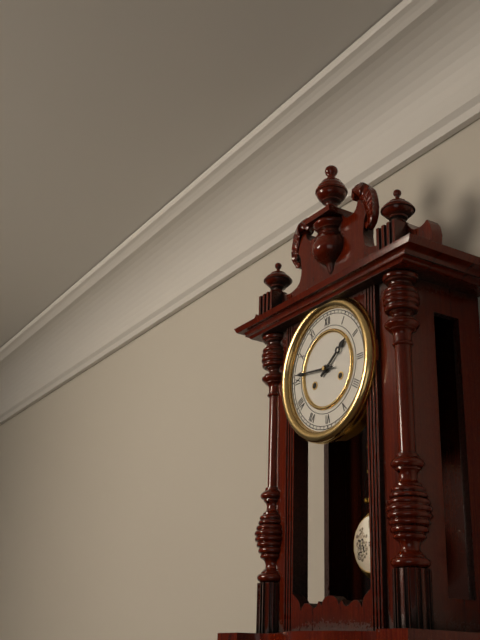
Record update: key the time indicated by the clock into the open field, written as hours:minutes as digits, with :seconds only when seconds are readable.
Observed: 1:46
